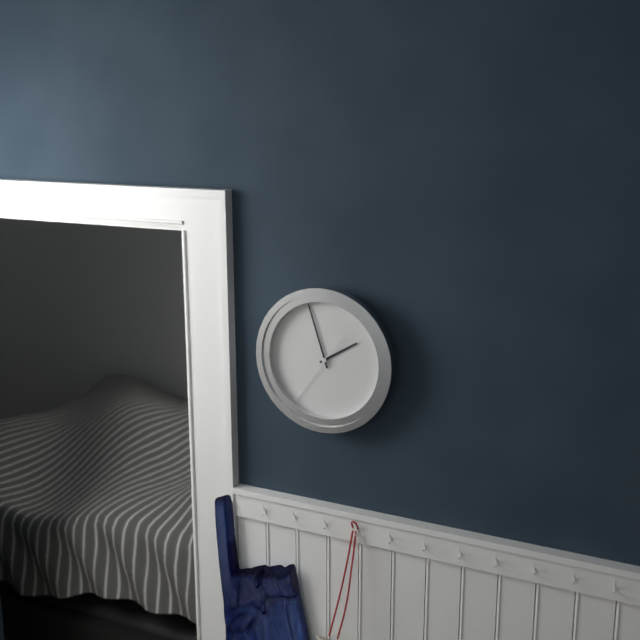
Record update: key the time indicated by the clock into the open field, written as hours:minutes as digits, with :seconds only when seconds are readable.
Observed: 1:57:36
